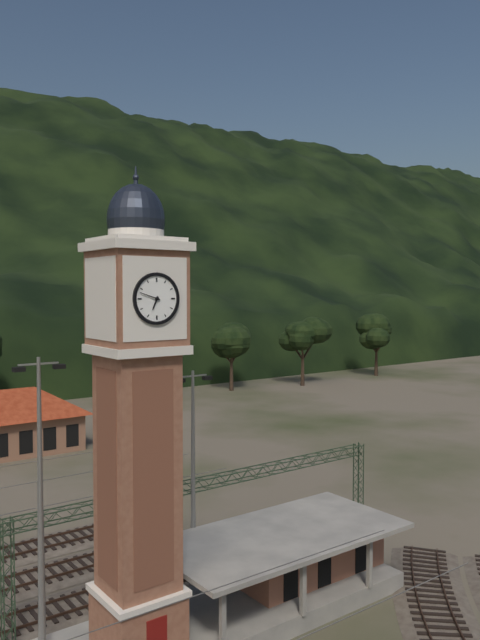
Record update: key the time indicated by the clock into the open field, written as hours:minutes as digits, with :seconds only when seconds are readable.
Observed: 6:48
